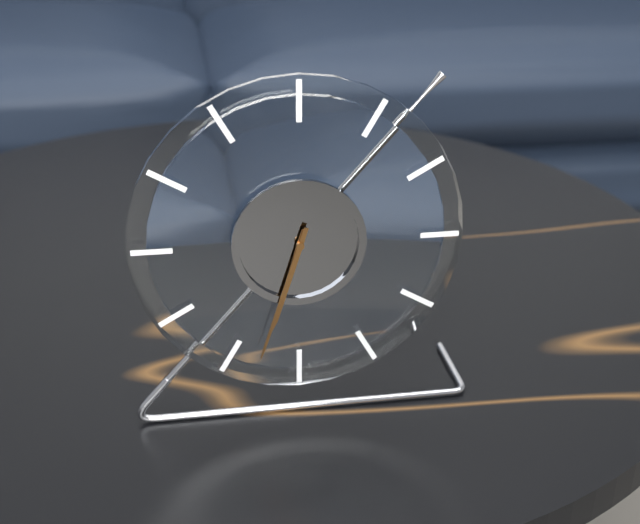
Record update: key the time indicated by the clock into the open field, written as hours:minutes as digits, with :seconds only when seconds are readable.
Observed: 6:33
